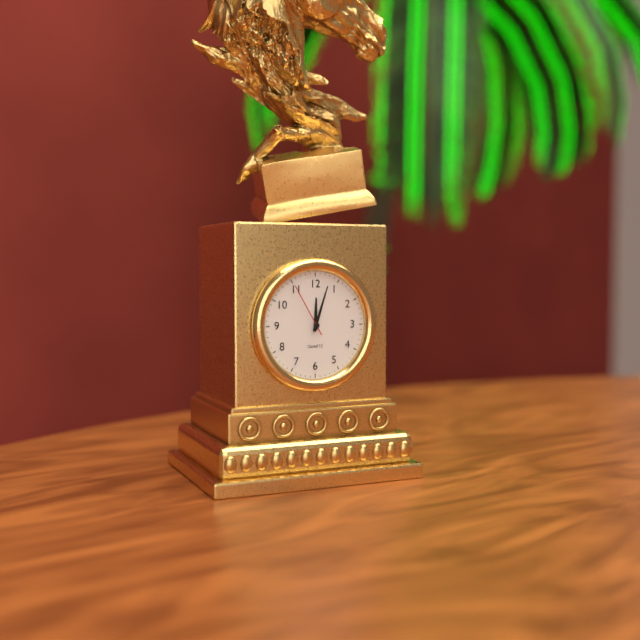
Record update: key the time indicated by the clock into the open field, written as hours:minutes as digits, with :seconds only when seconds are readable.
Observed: 12:03:55
